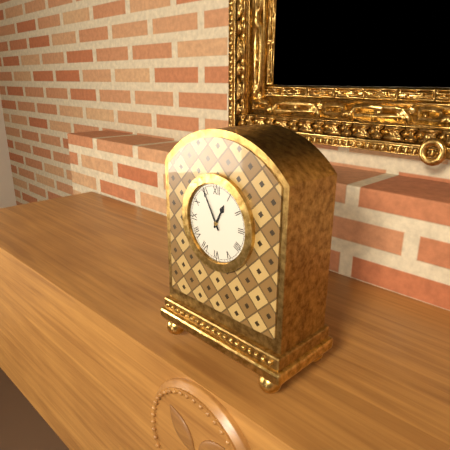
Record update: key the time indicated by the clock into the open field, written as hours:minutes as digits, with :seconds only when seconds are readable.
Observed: 12:55
